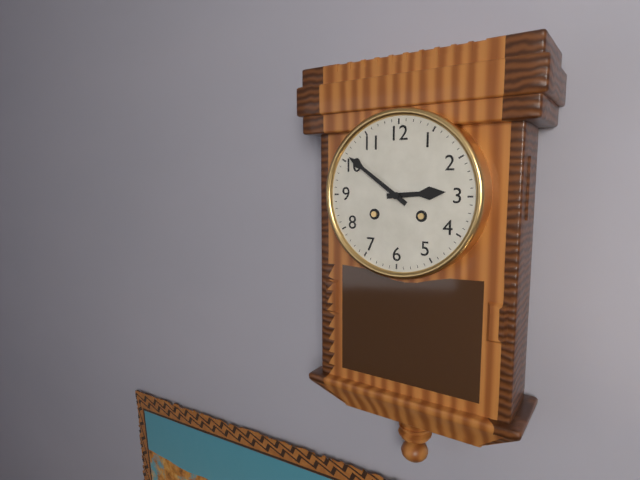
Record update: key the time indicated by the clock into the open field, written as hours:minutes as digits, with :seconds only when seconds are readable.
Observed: 2:51
